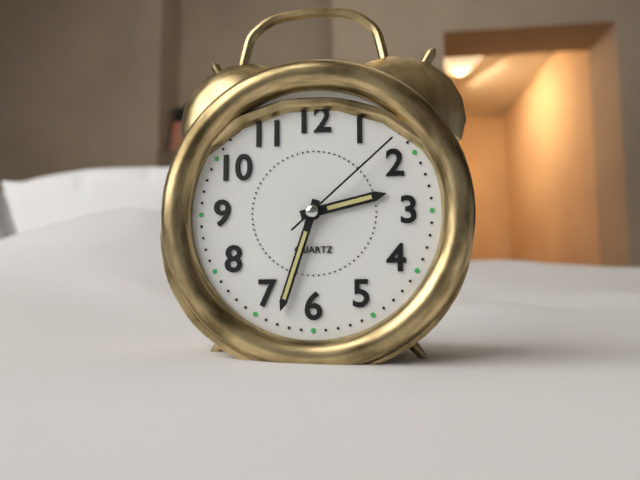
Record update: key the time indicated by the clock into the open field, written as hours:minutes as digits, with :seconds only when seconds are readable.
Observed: 2:33:08
